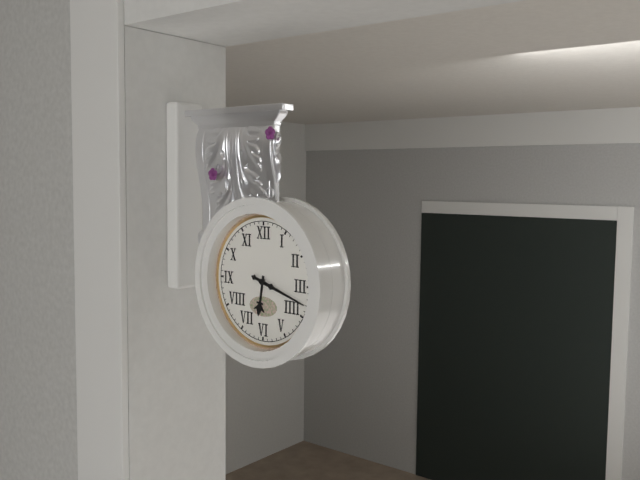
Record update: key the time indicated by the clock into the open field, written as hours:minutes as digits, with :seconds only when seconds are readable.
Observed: 6:18
